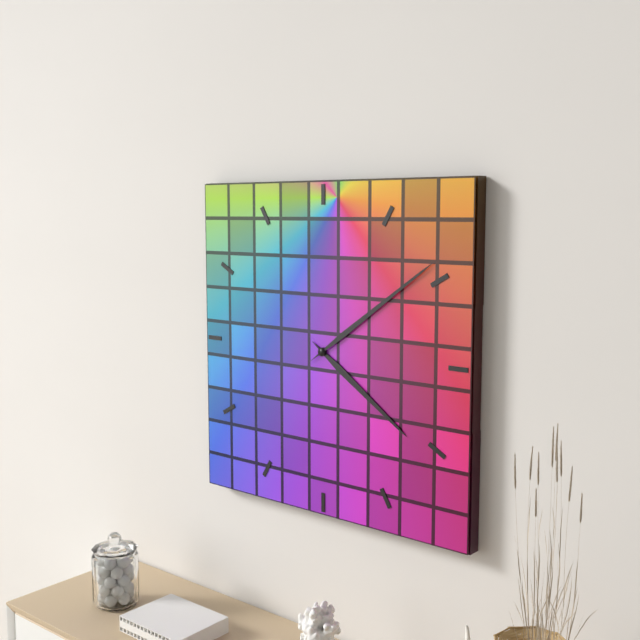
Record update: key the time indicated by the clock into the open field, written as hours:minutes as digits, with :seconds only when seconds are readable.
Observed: 4:09
